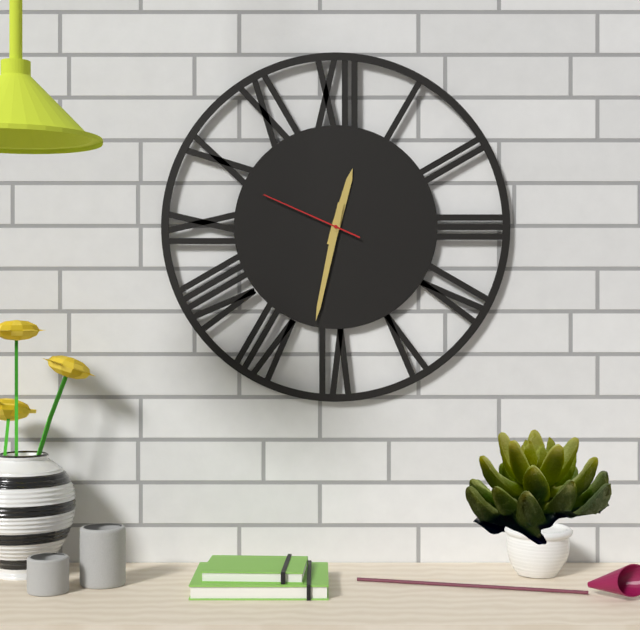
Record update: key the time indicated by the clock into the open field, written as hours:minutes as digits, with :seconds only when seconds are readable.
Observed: 12:32:49
